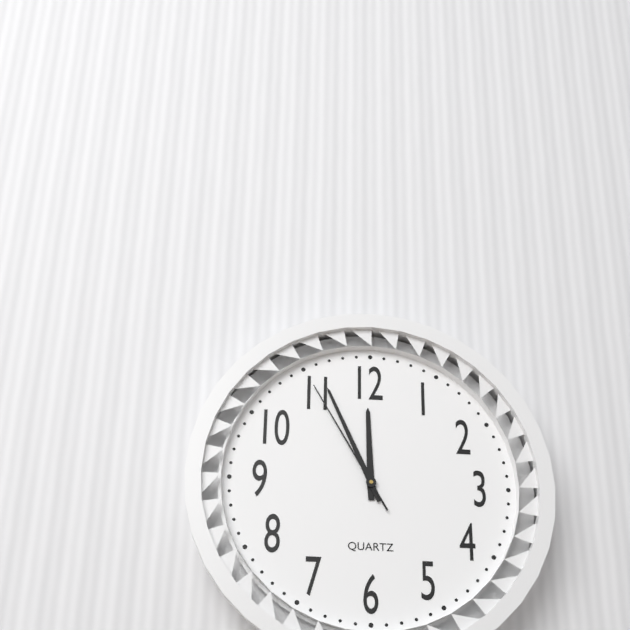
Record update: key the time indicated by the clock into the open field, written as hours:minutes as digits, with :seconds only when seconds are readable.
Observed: 11:56:55
